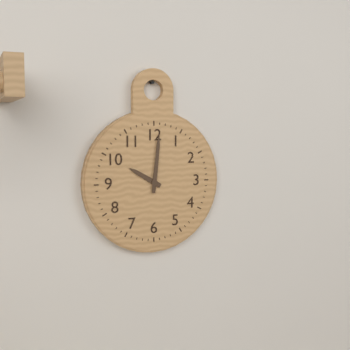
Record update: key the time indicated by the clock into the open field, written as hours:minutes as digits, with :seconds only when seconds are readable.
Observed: 10:01
